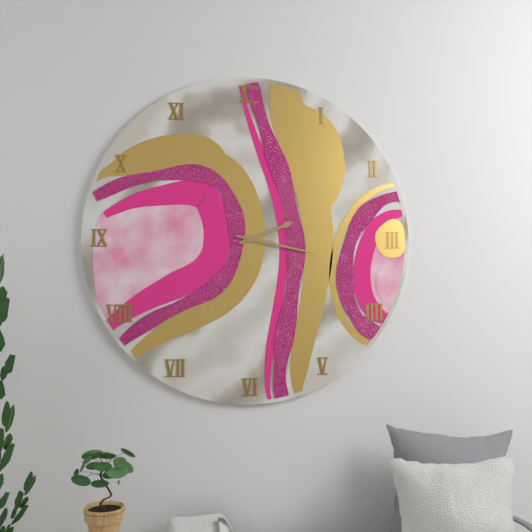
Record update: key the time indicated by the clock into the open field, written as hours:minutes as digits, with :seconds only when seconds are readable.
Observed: 2:17
